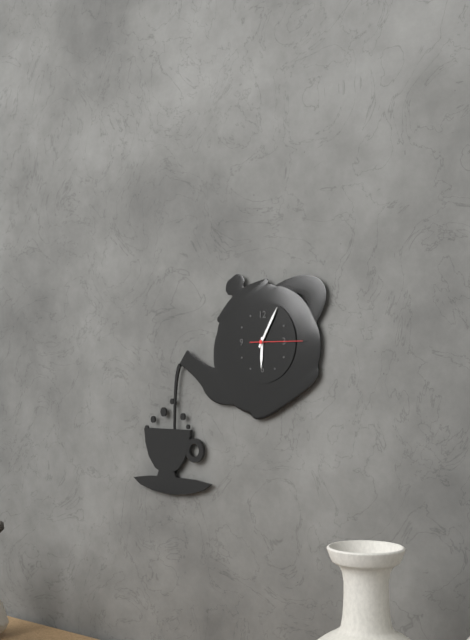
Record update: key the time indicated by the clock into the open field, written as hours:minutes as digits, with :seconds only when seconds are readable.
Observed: 6:05:15
